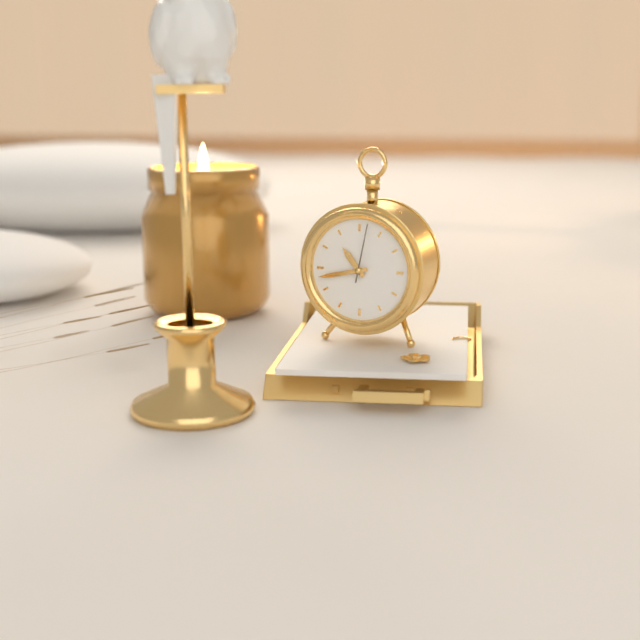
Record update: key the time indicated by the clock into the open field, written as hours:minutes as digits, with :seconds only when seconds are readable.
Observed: 10:43:02
